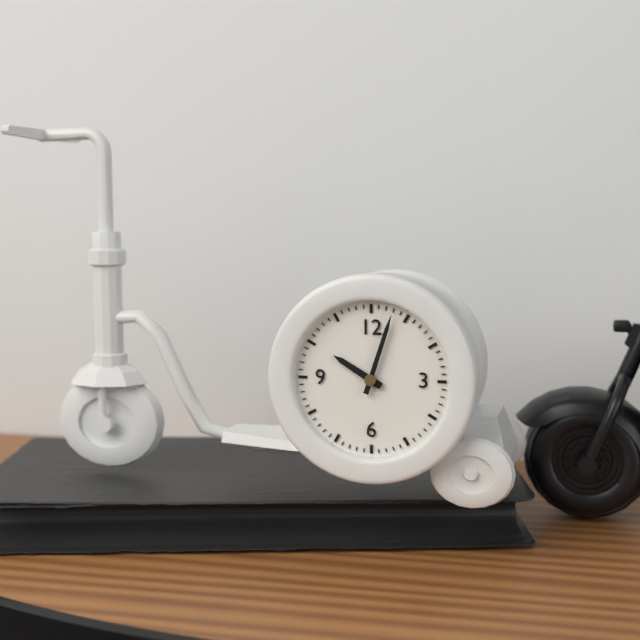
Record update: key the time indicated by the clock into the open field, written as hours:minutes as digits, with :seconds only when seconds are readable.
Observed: 10:03
